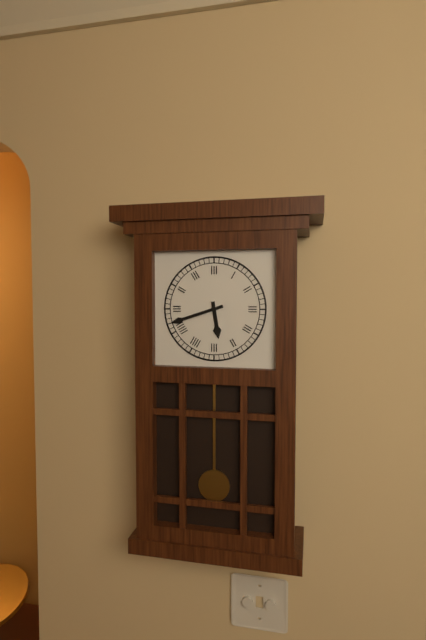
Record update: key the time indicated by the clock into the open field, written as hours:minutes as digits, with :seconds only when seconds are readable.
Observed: 5:42
